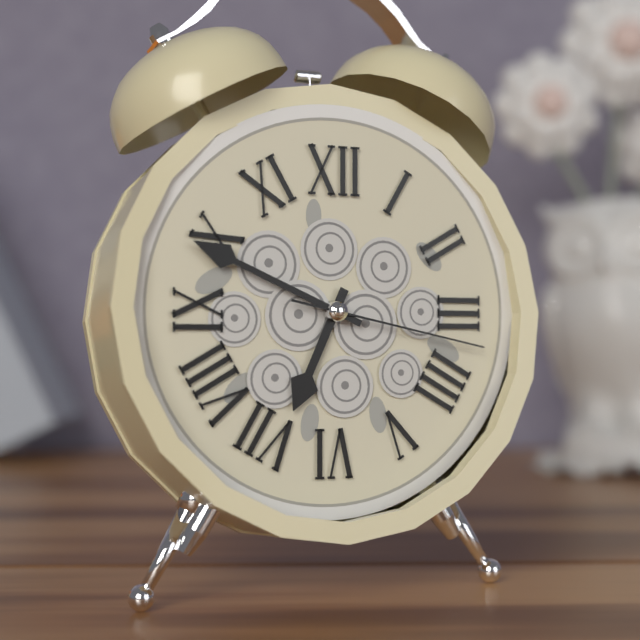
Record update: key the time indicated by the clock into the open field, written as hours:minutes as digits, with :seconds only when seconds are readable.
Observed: 6:49:17
